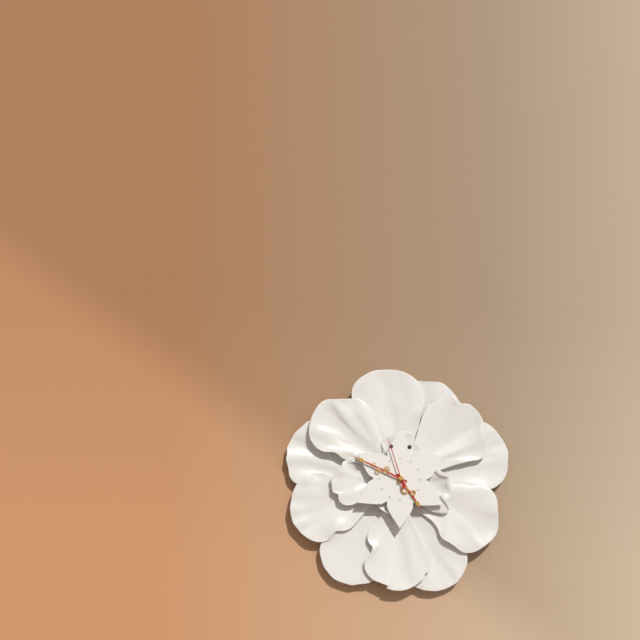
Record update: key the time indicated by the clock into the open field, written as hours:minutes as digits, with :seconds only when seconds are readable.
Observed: 4:49:57
